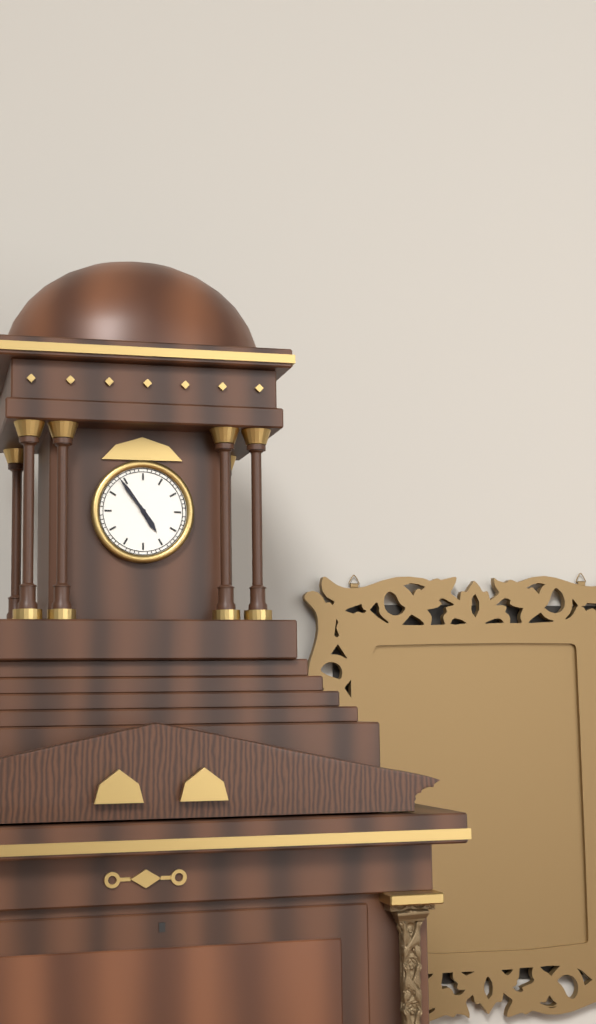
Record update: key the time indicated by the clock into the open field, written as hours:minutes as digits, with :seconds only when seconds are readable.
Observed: 4:54
